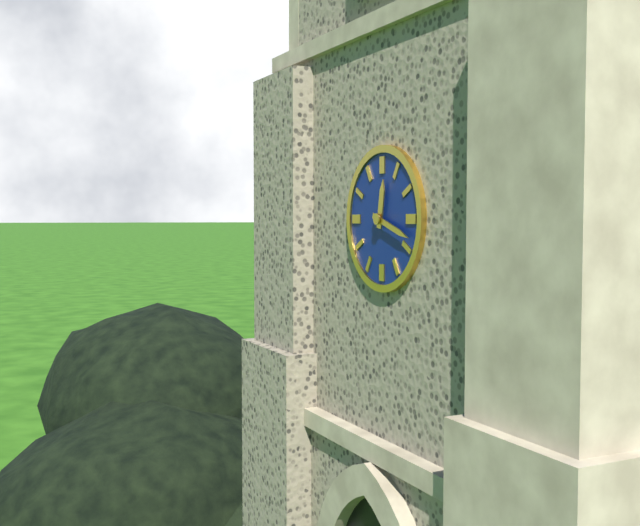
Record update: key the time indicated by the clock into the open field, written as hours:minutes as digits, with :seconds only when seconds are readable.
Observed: 12:18
